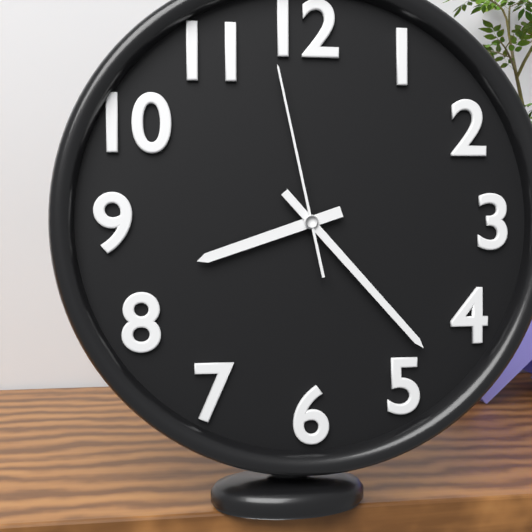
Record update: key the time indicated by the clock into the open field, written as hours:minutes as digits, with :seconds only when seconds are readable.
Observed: 8:23:58
